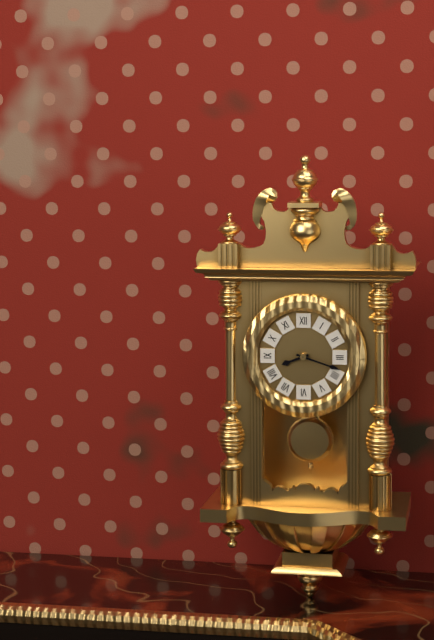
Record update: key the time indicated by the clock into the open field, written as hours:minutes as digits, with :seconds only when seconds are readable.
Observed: 8:18
